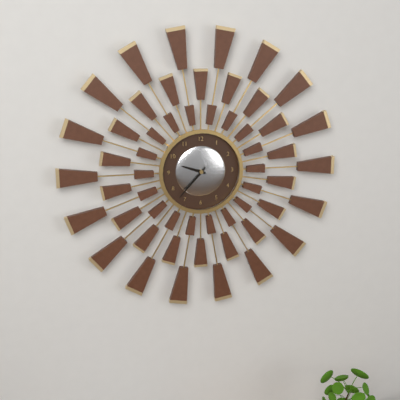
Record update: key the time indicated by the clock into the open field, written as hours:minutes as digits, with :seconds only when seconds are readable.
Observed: 9:37
